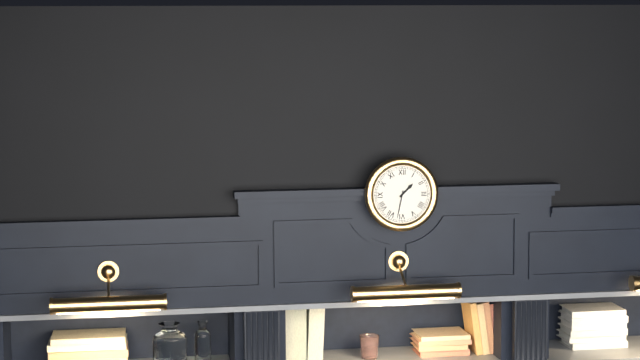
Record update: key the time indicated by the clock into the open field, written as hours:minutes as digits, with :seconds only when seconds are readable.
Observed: 1:32
